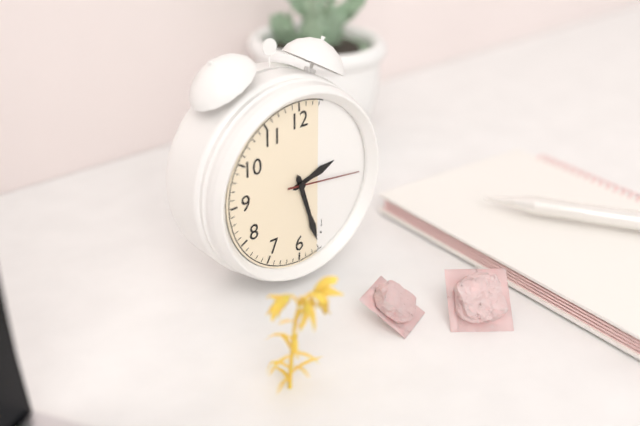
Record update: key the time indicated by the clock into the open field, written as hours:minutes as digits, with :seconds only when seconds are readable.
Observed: 2:27:16
